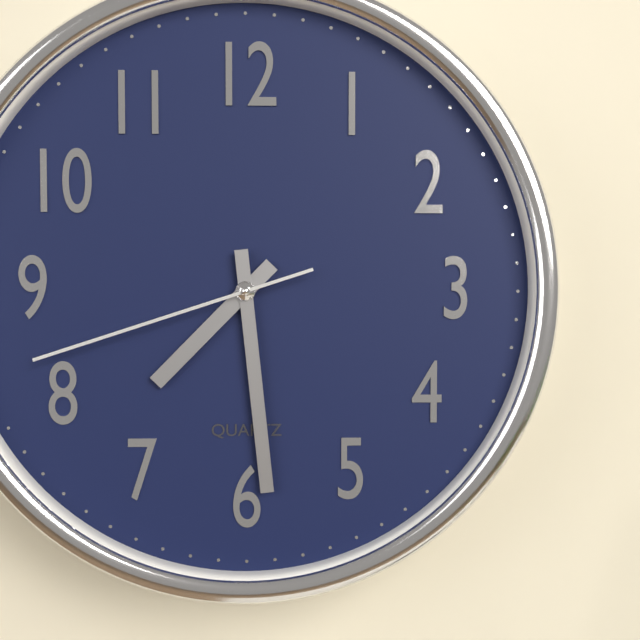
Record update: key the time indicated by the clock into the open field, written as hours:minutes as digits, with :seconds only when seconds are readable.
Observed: 7:29:42
